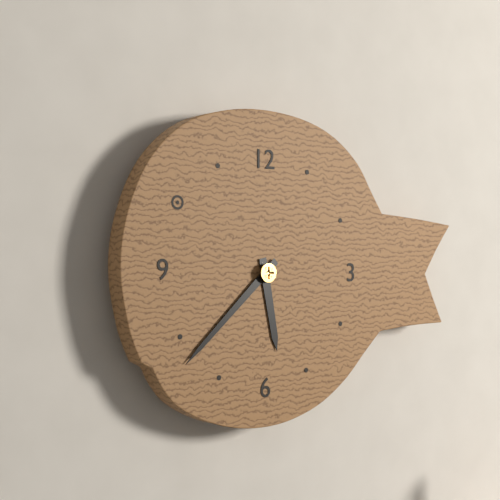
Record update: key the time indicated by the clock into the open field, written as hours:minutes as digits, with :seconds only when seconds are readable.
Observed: 5:38
